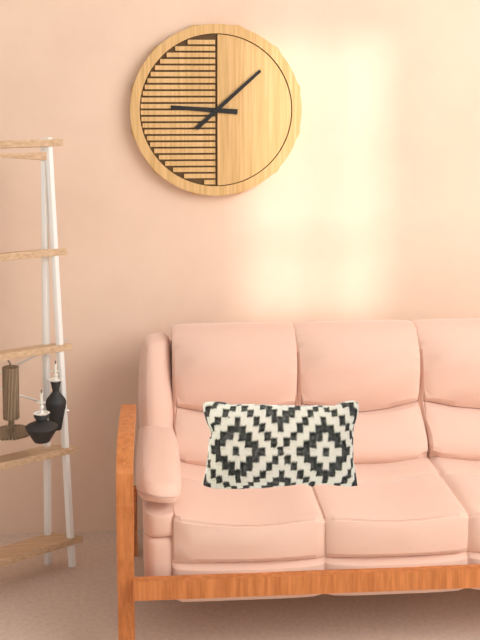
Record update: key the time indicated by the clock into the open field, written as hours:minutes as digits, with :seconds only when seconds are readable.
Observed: 9:08
